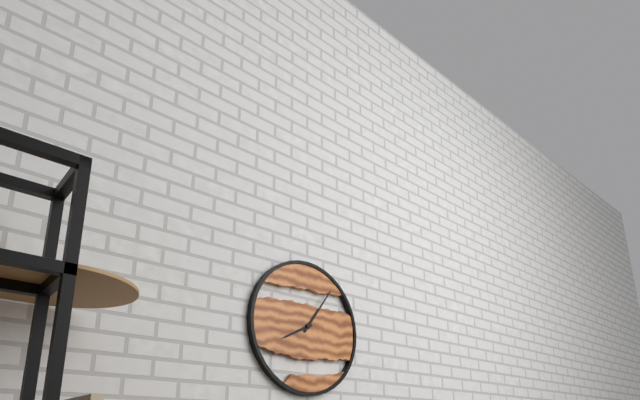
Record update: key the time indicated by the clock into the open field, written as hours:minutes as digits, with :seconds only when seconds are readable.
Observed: 8:06
